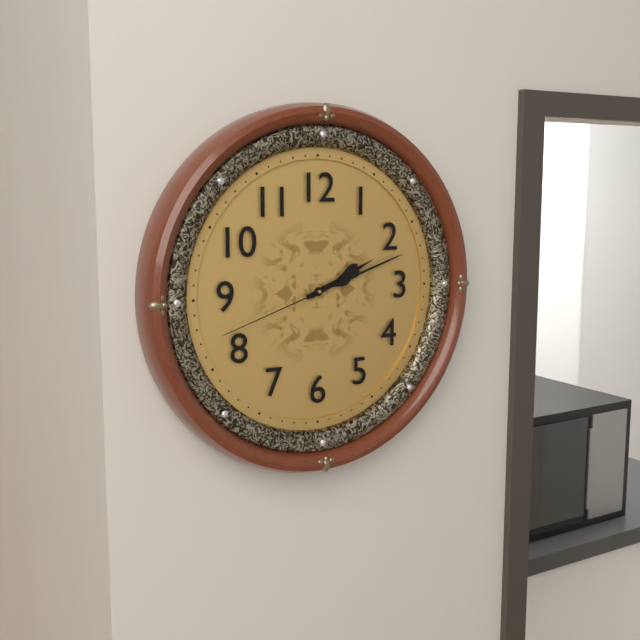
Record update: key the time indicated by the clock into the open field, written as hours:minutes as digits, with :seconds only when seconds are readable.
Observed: 2:12:42
